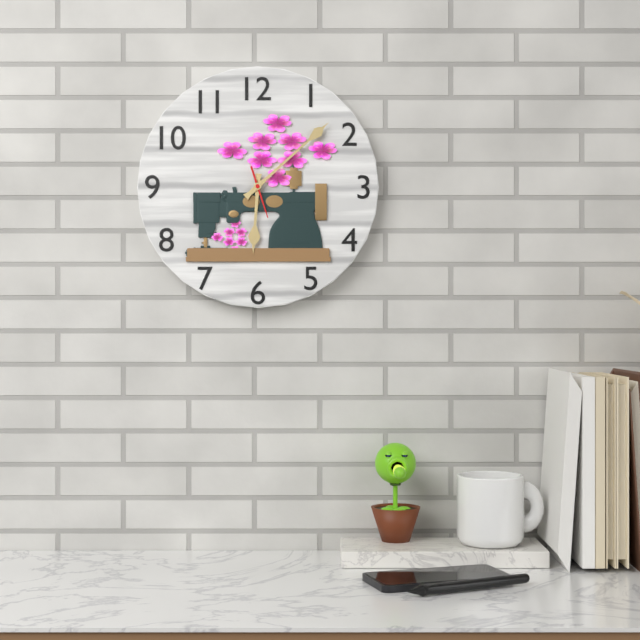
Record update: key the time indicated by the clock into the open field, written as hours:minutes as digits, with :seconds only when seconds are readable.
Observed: 6:08
